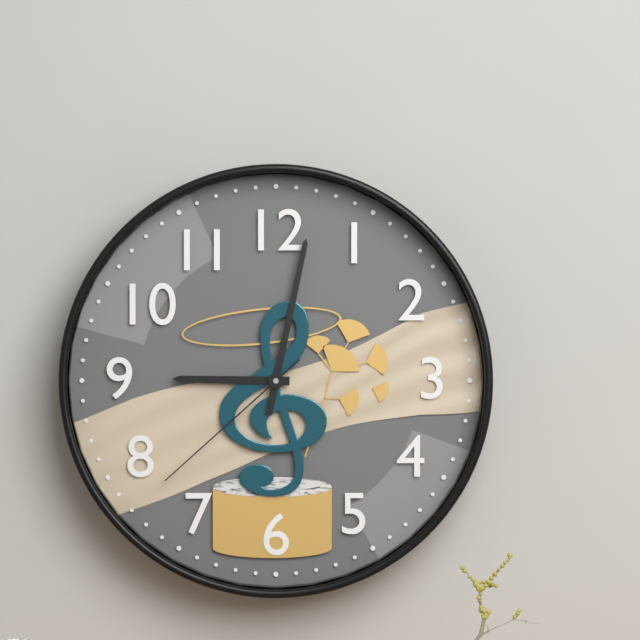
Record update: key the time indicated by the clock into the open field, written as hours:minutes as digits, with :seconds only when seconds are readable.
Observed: 9:02:38
